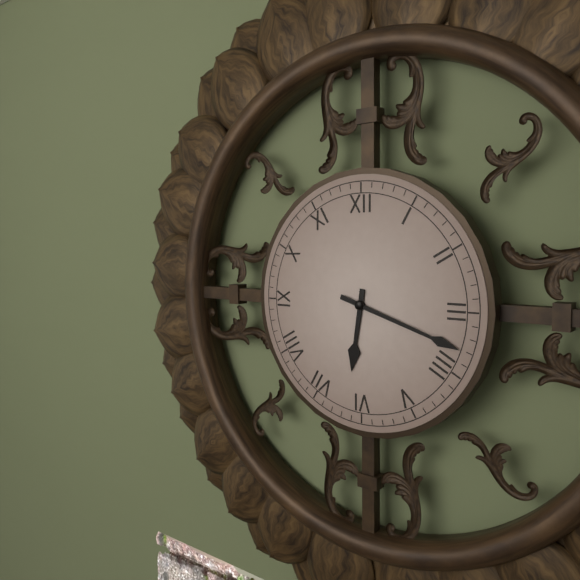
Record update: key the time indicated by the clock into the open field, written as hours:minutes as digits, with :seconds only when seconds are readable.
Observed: 6:18
